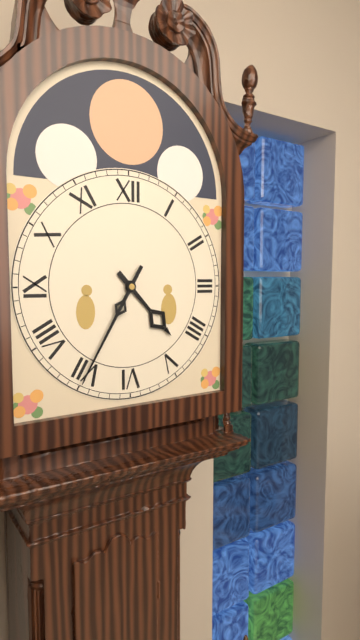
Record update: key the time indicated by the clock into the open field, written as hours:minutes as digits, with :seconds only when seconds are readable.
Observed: 4:35
